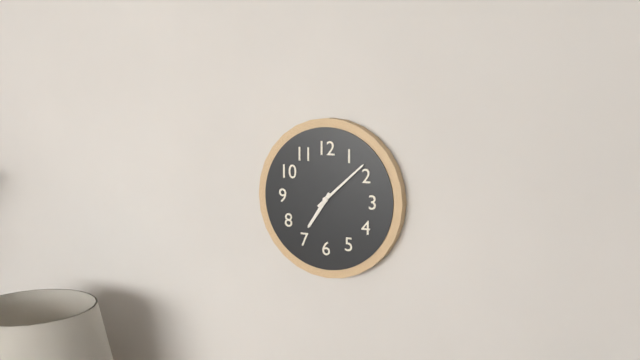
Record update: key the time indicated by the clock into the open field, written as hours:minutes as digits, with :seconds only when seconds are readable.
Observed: 7:08
